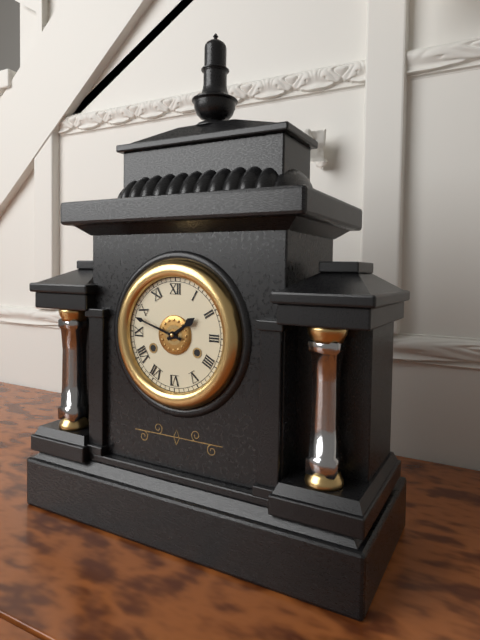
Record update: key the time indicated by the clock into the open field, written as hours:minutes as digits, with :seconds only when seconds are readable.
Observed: 1:48
